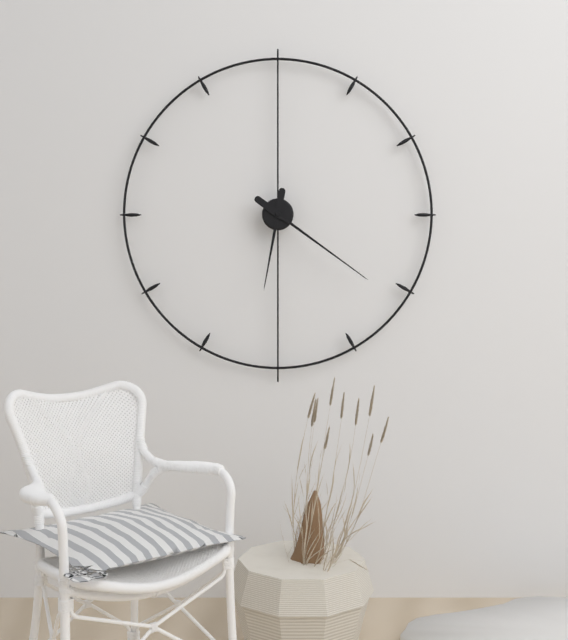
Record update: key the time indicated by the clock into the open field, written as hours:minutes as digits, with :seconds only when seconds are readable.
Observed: 6:21
